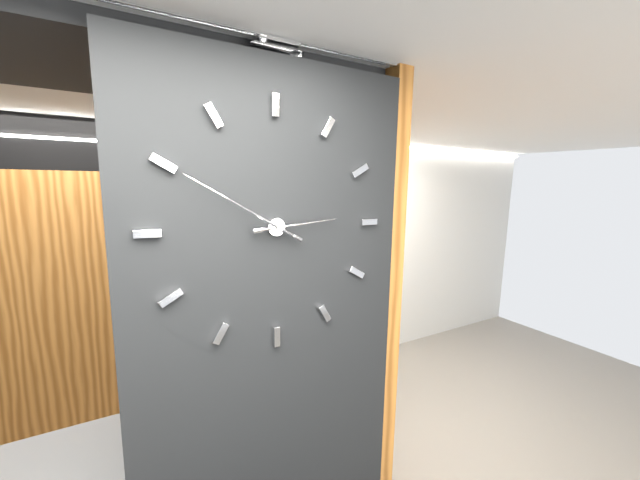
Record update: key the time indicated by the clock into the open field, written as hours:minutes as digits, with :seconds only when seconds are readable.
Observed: 2:50
